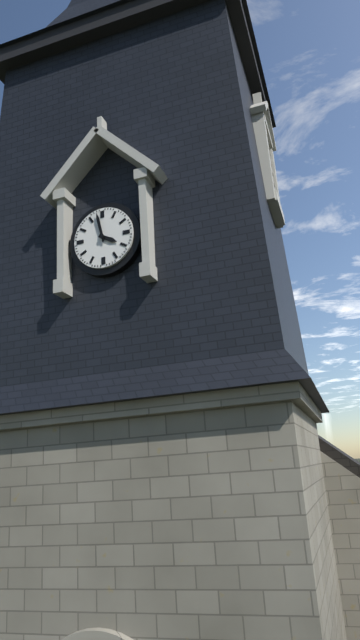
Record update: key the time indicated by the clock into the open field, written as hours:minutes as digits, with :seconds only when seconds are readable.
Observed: 3:58
